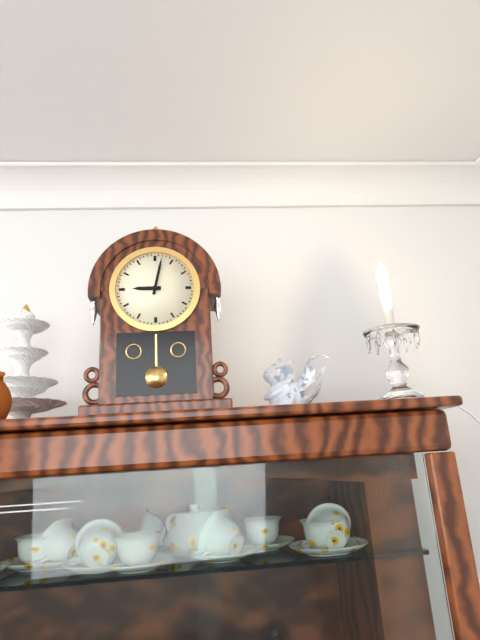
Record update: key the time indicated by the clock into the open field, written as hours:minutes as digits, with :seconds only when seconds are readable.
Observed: 9:02
